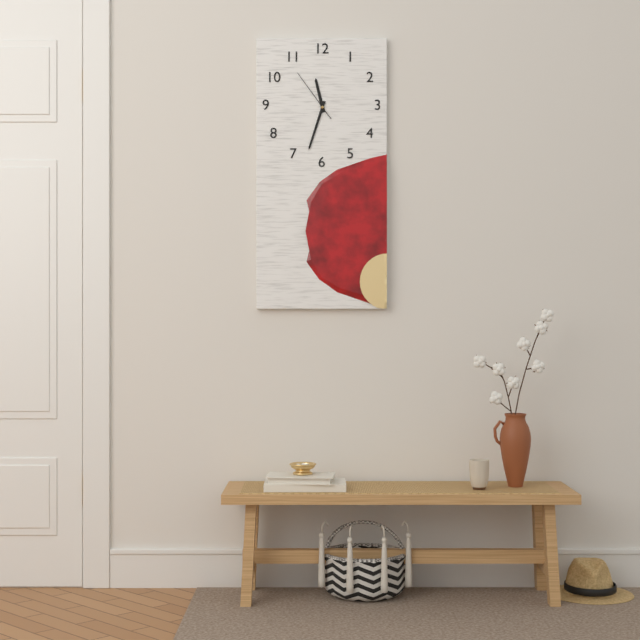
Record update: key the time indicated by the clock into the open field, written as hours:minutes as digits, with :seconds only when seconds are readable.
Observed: 11:33:54
